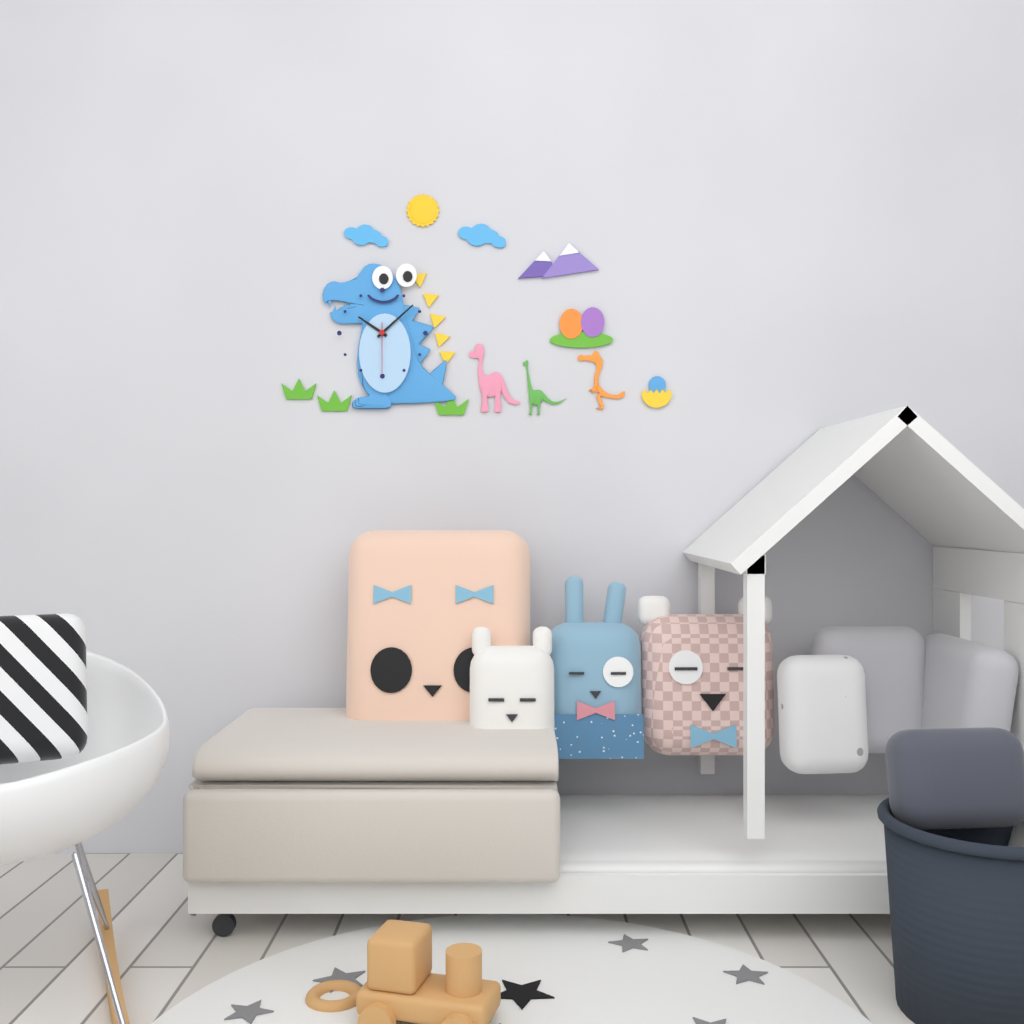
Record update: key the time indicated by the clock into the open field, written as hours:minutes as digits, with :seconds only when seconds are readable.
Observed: 10:08:30
